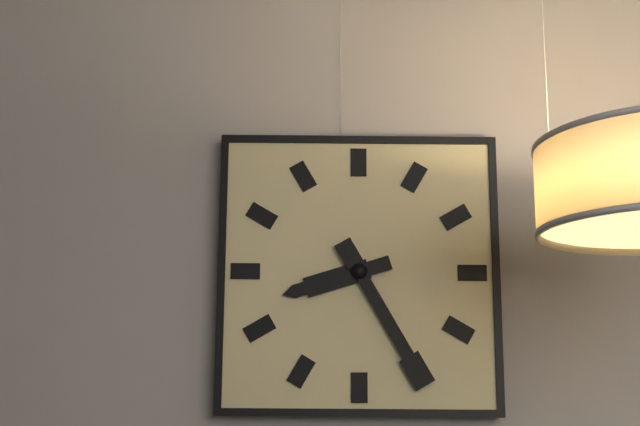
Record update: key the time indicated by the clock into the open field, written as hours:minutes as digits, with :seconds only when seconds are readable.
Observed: 8:25
